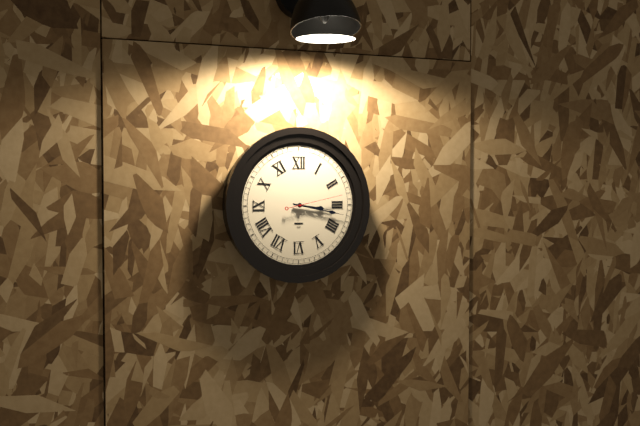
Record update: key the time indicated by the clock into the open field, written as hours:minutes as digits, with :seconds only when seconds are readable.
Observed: 3:17:13
